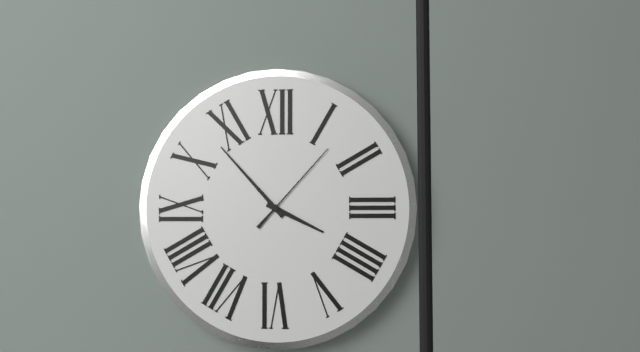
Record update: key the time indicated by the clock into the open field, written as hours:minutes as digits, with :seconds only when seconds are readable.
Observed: 3:53:07
